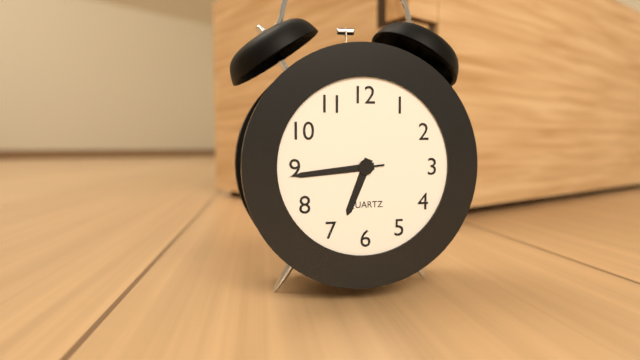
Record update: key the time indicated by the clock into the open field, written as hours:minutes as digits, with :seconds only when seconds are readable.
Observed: 6:44:44
